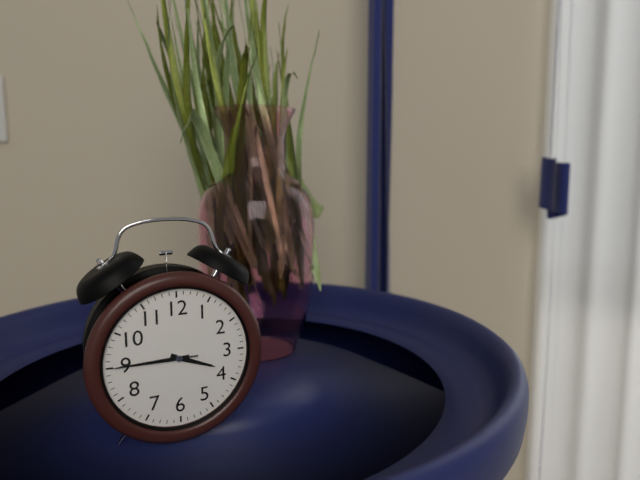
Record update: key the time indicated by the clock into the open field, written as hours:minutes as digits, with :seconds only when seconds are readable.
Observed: 3:45:45
